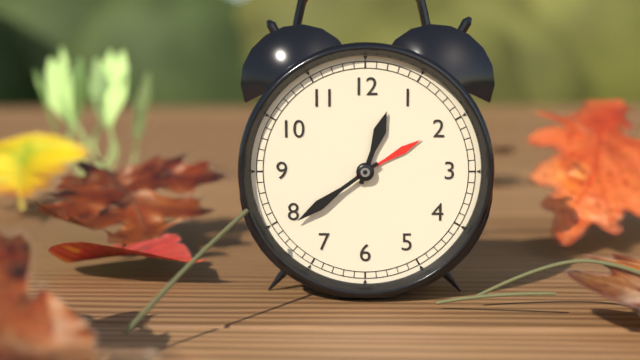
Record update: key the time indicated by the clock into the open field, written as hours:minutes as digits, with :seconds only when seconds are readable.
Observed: 12:39
